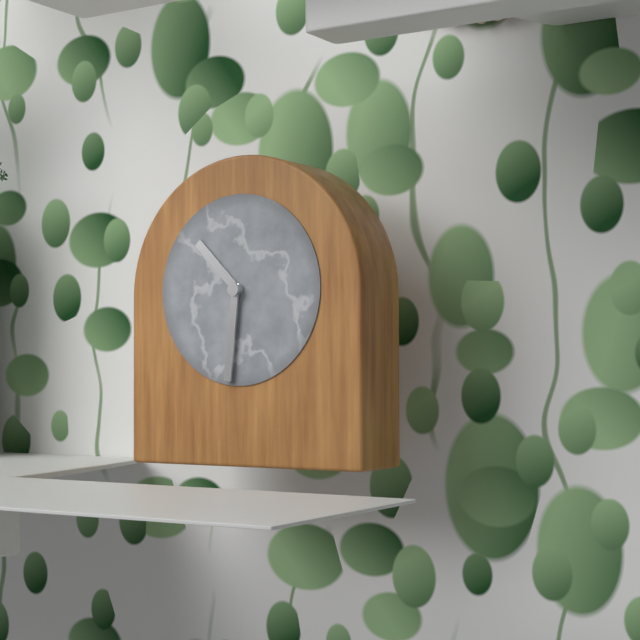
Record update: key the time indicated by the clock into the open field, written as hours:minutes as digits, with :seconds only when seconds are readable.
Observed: 10:31
